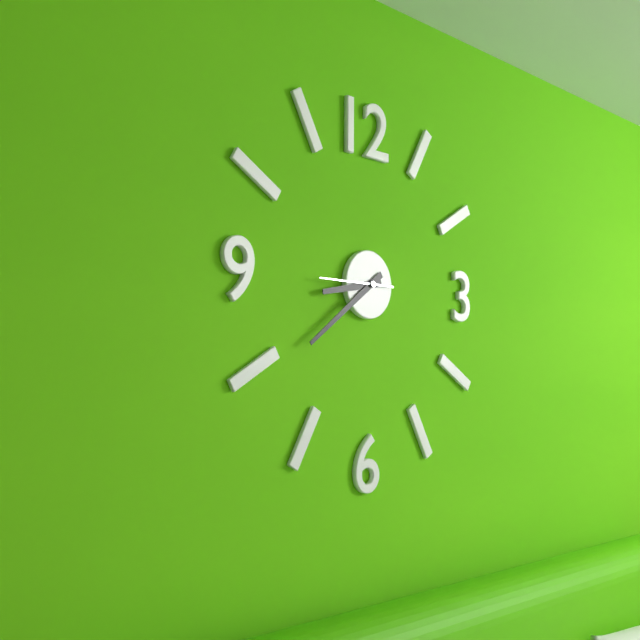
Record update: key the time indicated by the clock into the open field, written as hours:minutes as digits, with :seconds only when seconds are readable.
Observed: 8:39:45
